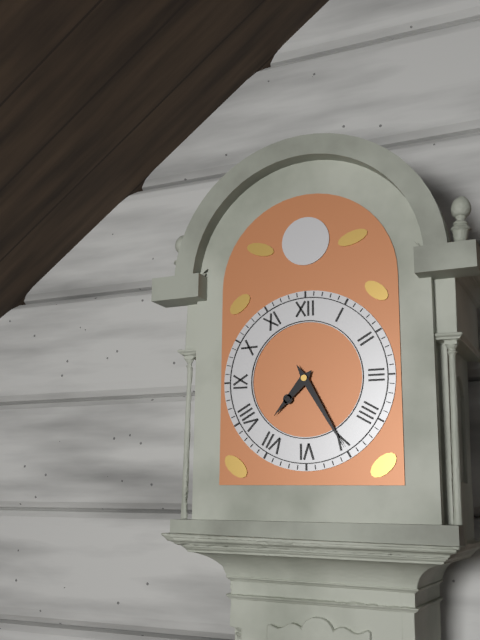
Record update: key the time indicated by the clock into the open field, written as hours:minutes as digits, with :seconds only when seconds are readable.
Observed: 7:25
